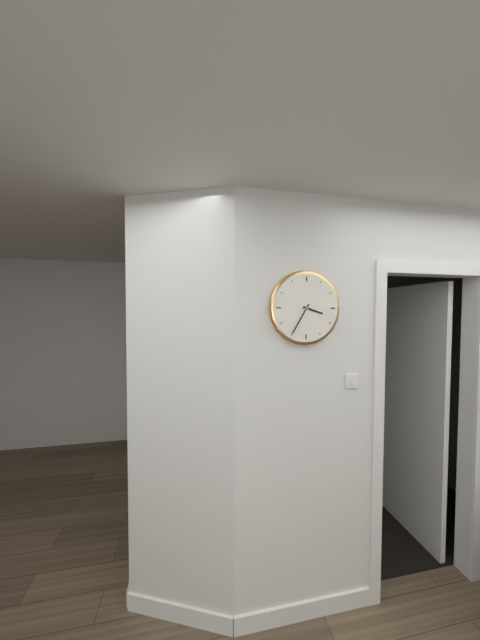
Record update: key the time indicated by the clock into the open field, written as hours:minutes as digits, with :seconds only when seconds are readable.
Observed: 3:35
